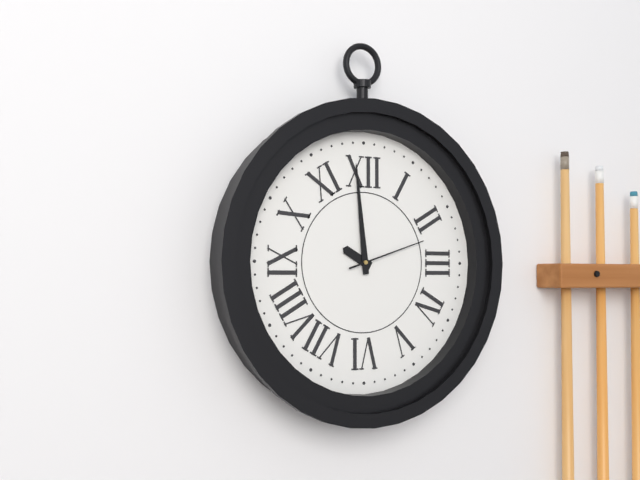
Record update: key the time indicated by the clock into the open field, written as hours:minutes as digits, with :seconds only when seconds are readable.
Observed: 9:59:12
